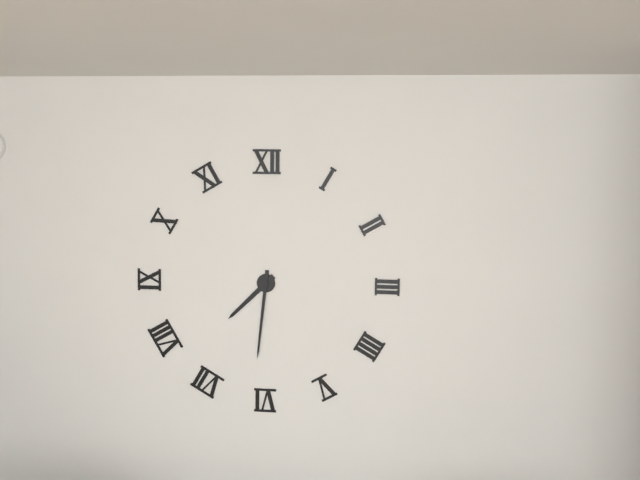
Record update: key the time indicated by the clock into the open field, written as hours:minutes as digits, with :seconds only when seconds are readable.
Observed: 7:31
